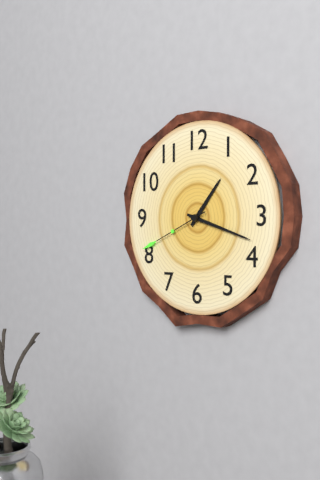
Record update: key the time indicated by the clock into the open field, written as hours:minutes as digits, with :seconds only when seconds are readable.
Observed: 1:18:41
